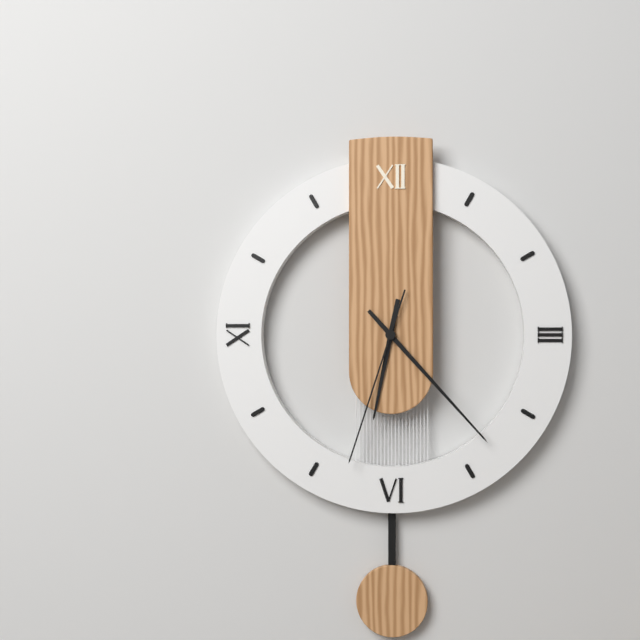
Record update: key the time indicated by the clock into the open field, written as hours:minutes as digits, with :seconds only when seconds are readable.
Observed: 6:23:33
